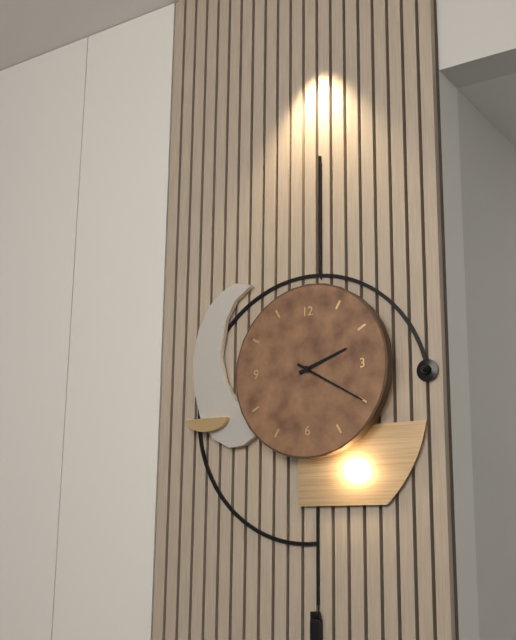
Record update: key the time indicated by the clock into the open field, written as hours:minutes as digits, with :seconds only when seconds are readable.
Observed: 2:20
